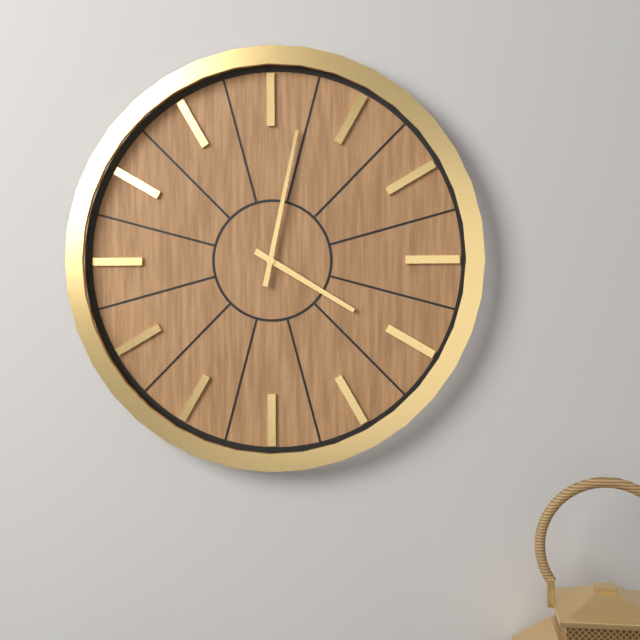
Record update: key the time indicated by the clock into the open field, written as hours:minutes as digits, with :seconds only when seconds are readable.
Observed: 4:02
